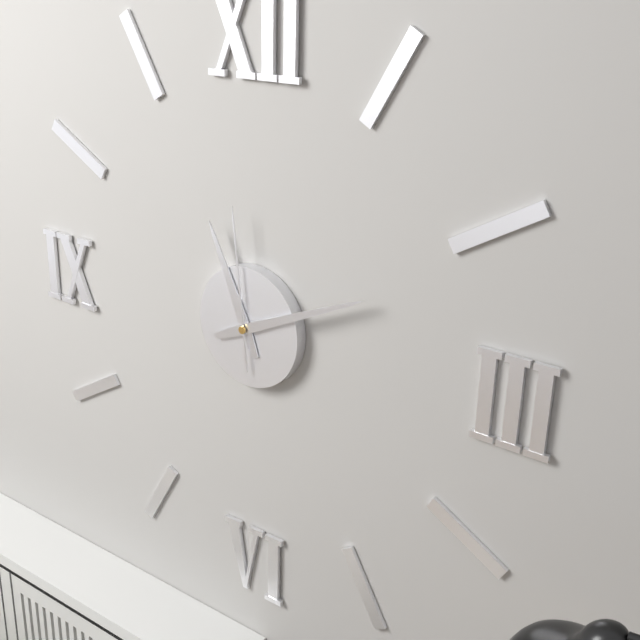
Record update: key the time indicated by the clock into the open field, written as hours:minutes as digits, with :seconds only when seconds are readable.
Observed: 11:11:59
